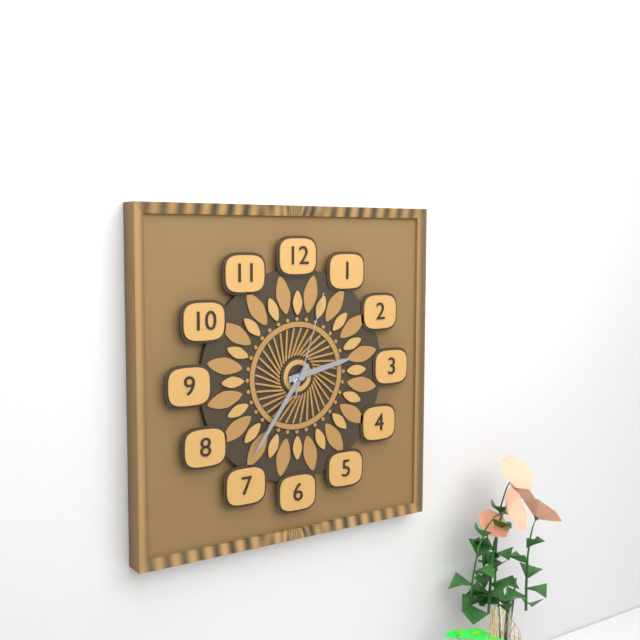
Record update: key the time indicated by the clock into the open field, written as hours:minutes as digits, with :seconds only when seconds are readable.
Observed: 2:36:03
